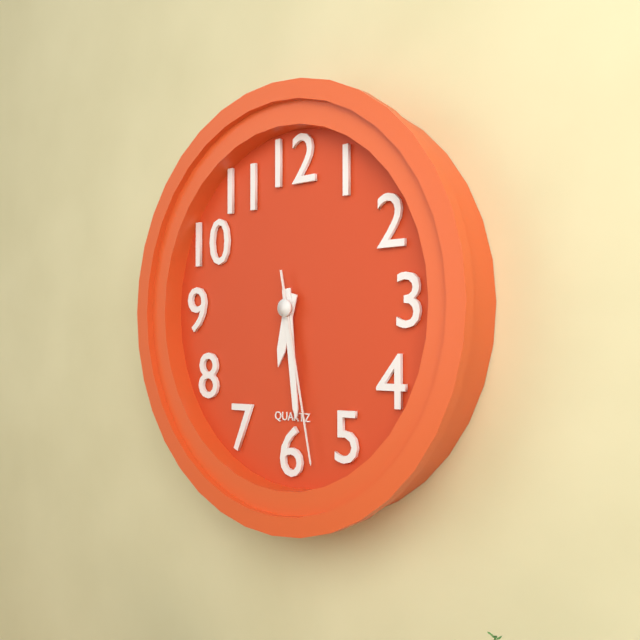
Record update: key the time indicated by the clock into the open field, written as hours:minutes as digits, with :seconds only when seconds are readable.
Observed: 6:29:28
